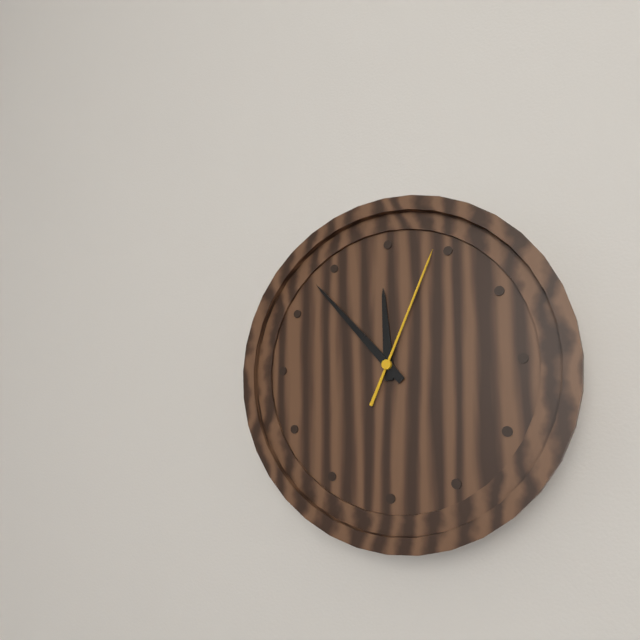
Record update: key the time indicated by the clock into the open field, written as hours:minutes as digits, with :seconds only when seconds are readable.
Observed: 11:53:04
